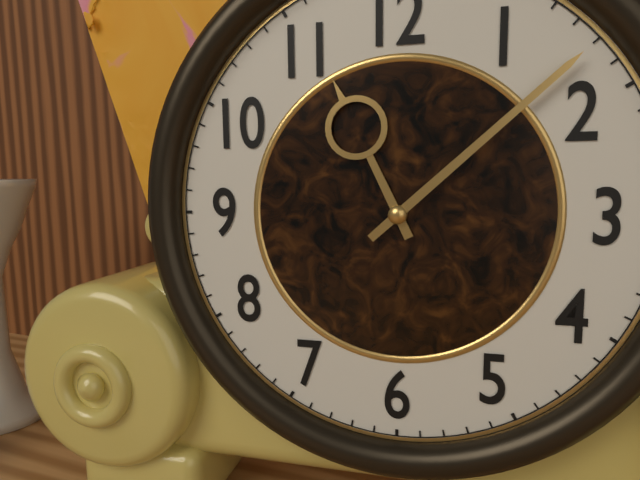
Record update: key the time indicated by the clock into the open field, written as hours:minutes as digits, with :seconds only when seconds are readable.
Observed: 11:08
